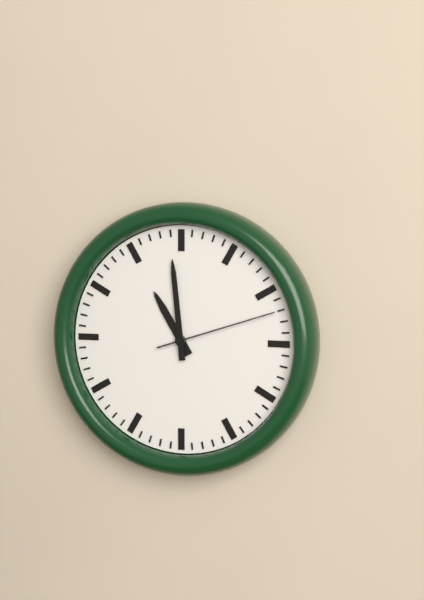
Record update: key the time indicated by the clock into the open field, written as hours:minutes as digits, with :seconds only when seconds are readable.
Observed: 10:59:12
